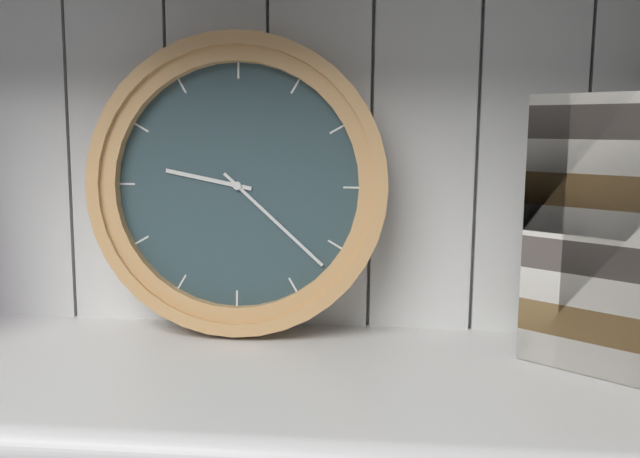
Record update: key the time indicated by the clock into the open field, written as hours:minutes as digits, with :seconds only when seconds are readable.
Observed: 9:22
